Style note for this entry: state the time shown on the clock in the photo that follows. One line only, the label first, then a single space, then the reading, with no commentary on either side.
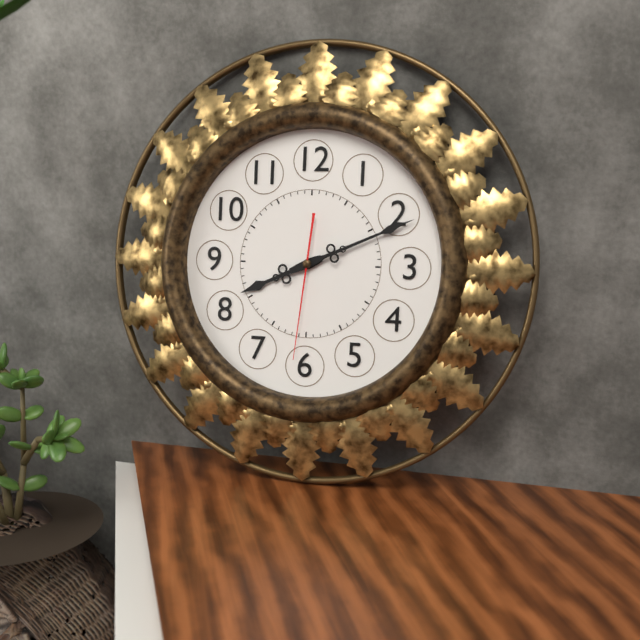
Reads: 8:11:31
